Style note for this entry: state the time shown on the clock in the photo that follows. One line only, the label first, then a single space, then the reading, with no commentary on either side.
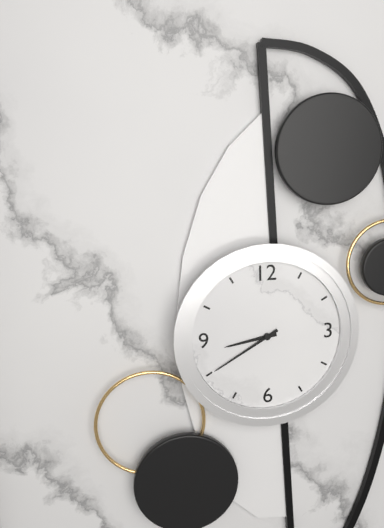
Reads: 8:40
